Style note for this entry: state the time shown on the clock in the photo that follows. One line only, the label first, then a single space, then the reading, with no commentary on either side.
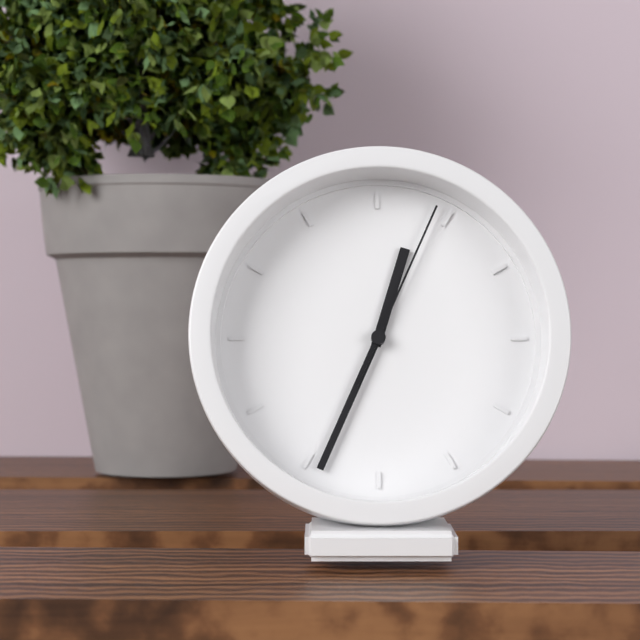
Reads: 12:34:04
